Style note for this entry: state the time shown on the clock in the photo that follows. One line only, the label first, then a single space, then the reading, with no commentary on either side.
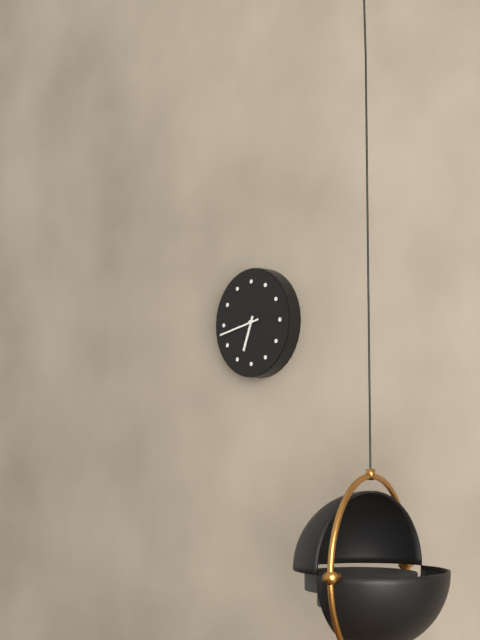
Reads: 6:43
